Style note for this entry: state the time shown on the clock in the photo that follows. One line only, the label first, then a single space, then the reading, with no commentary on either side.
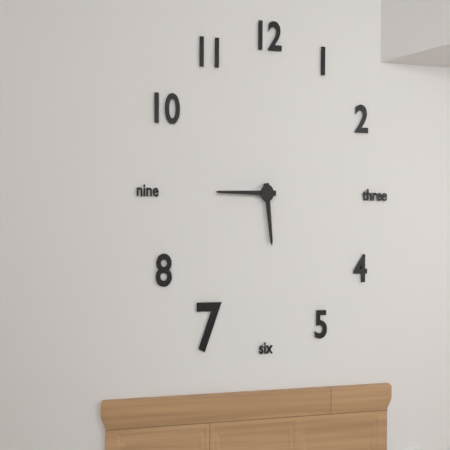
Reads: 5:45
